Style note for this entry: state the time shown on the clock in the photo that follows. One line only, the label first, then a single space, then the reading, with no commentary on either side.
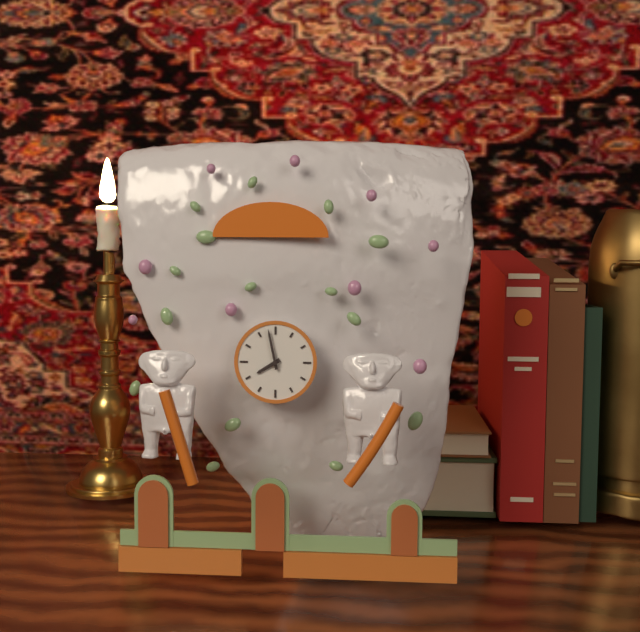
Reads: 7:58
